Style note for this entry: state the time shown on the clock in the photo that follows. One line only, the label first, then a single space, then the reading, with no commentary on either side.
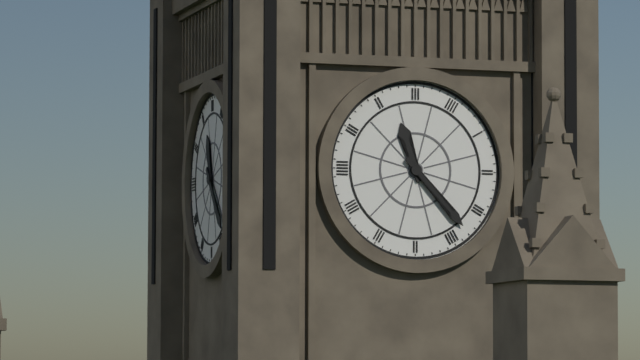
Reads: 11:23
